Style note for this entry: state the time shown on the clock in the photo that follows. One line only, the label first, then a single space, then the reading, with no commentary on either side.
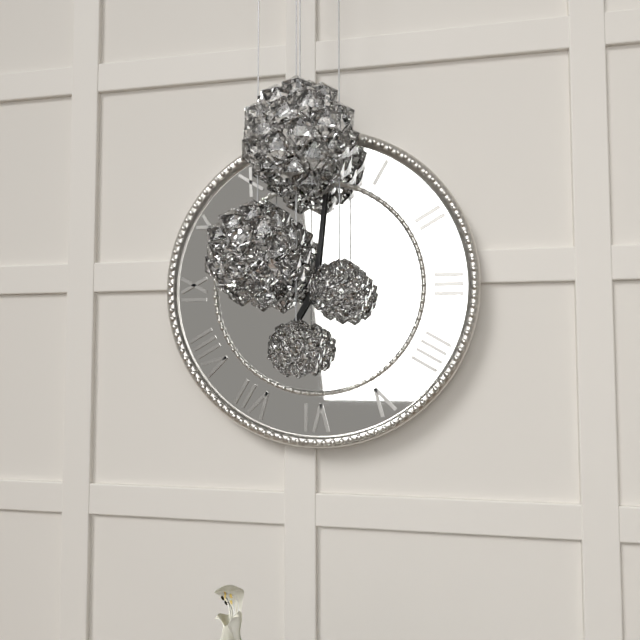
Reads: 7:01
